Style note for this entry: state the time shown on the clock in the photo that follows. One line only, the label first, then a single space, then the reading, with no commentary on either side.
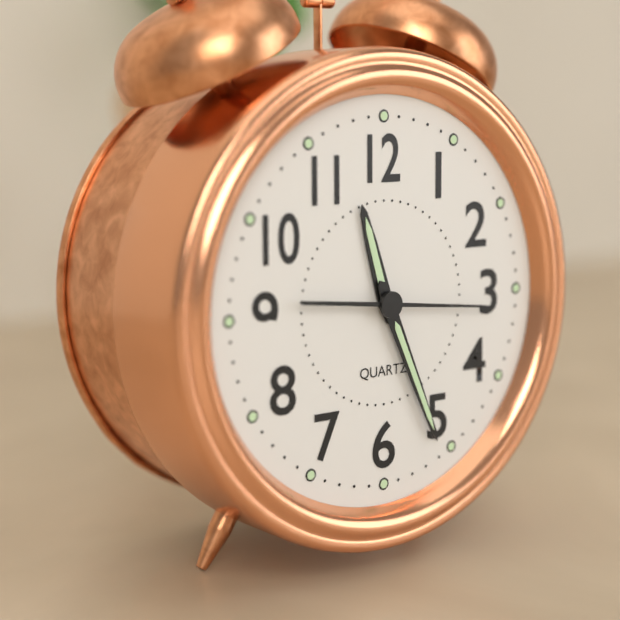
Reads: 11:26:16
